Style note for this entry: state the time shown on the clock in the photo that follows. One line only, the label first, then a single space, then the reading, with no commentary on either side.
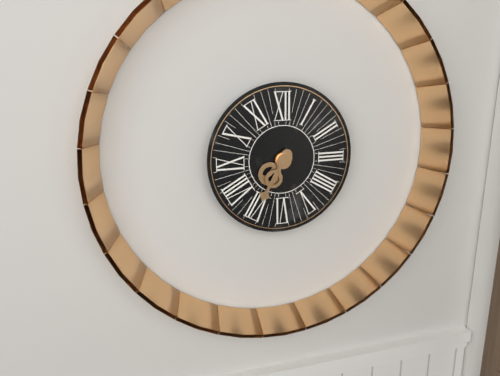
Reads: 7:35
